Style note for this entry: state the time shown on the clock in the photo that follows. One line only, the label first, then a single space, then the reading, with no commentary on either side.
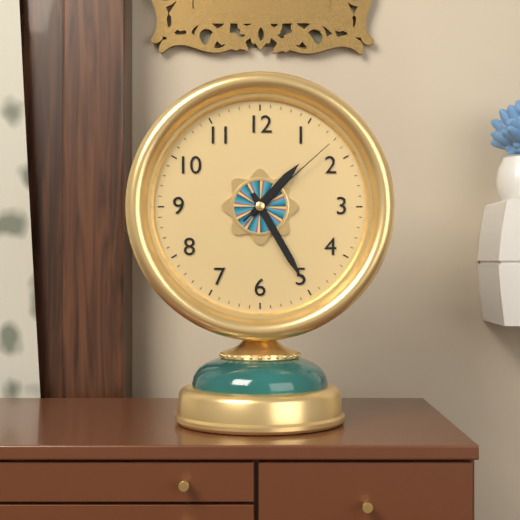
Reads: 1:25:08
